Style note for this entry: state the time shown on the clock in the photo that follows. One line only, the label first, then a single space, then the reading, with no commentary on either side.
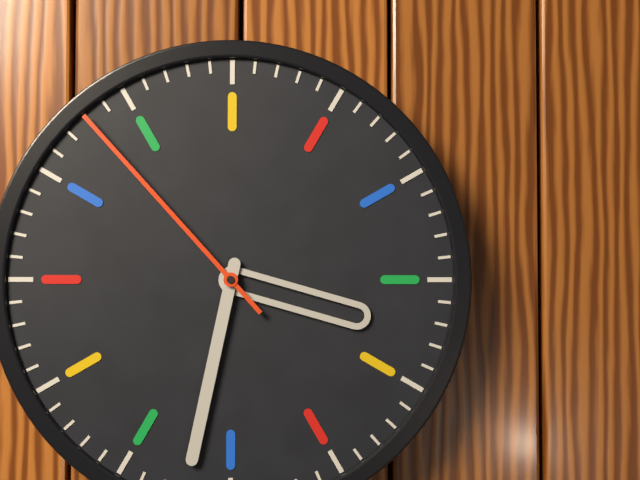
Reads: 3:32:53
